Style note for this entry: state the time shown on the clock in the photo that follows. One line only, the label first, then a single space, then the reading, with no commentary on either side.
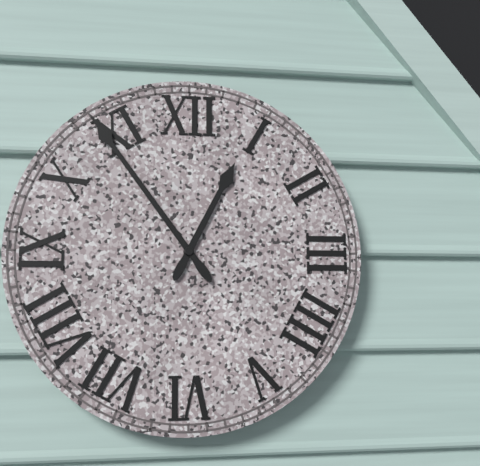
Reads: 12:54
